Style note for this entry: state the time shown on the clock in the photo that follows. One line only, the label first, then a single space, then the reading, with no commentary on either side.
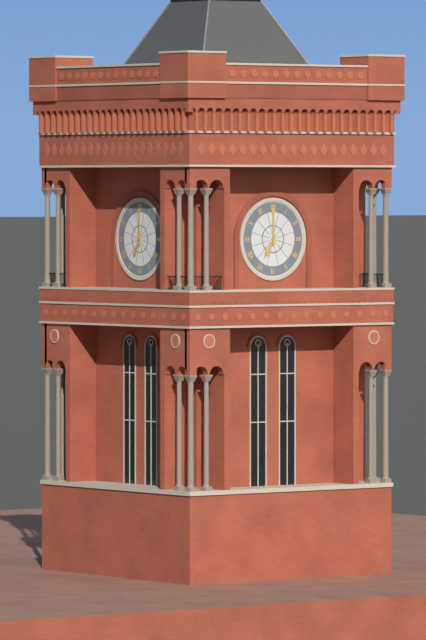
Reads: 7:00
